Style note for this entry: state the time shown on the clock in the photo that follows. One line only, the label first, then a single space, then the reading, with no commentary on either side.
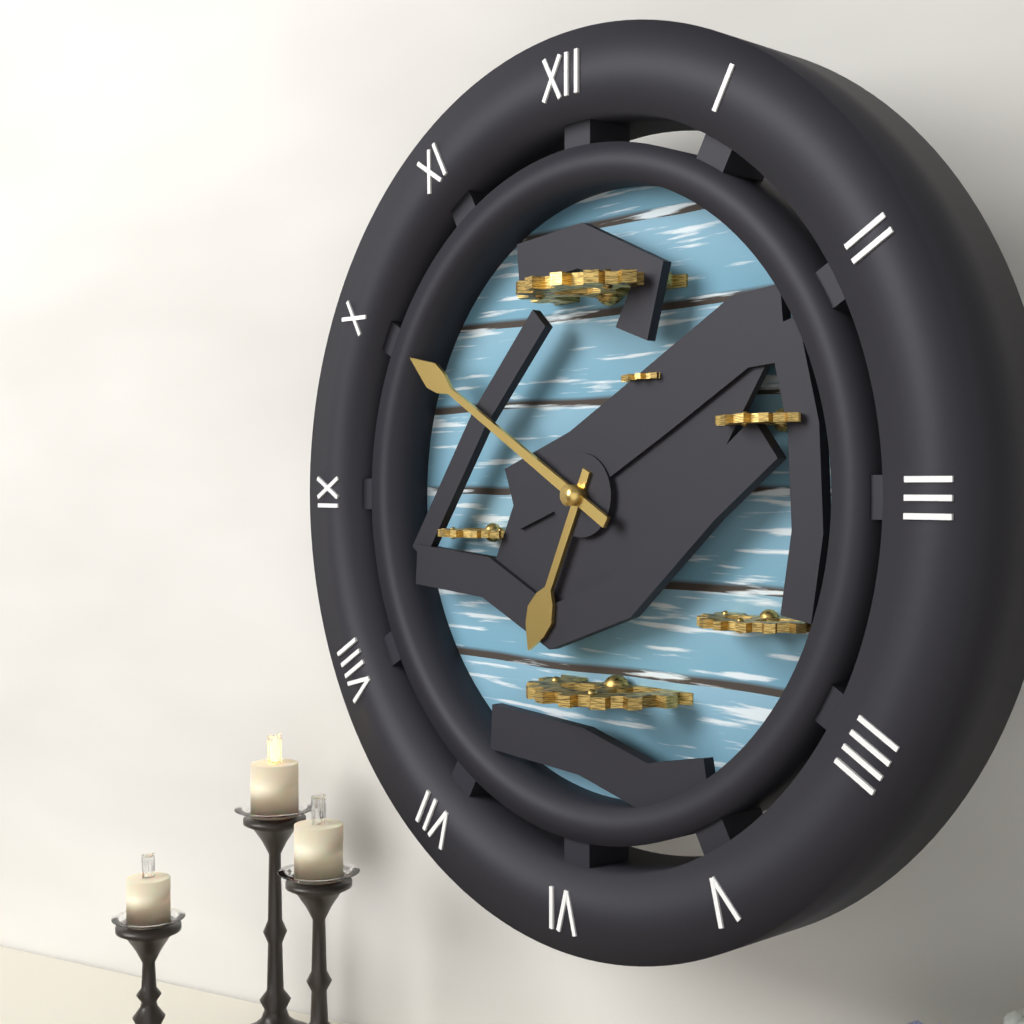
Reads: 6:50
